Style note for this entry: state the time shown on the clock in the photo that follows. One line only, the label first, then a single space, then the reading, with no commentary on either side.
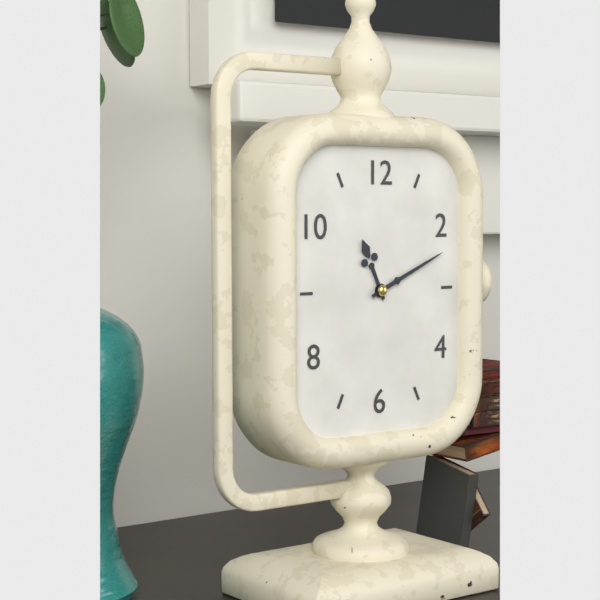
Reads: 11:11
